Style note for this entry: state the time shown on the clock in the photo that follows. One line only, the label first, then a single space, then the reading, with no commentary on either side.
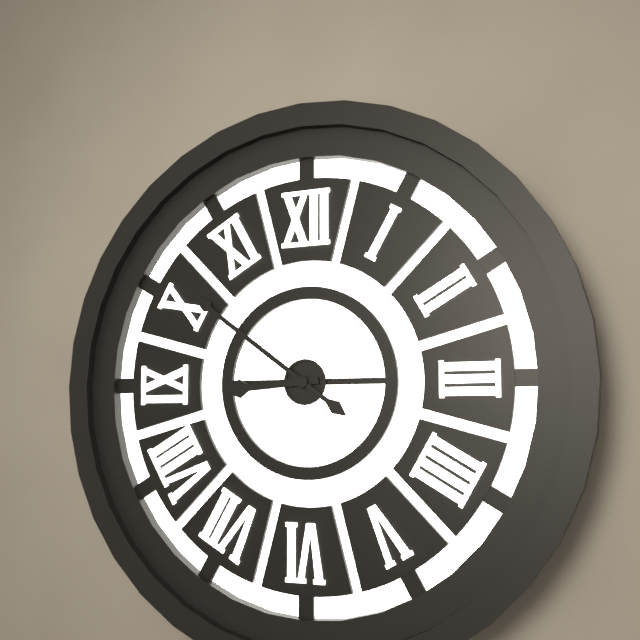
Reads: 8:51
